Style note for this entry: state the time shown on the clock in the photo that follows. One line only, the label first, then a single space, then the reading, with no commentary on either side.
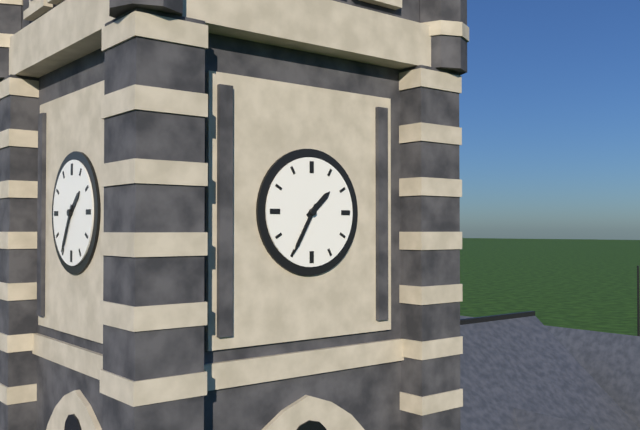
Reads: 1:35
